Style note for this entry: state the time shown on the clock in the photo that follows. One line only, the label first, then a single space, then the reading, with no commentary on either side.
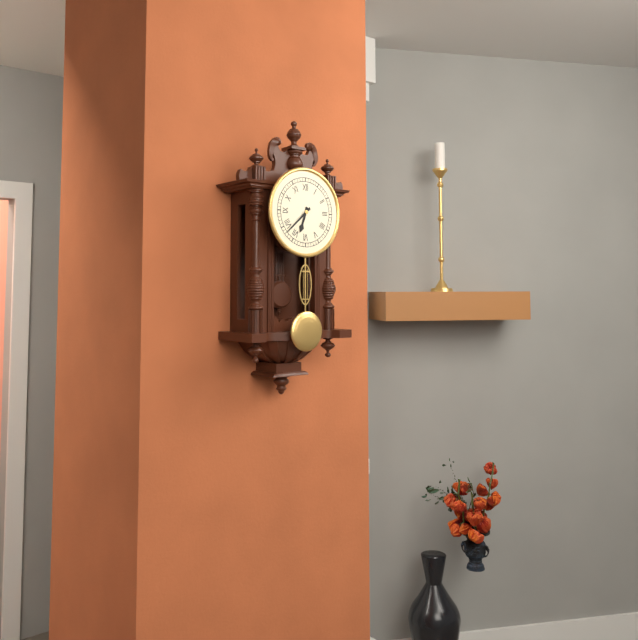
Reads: 6:38
